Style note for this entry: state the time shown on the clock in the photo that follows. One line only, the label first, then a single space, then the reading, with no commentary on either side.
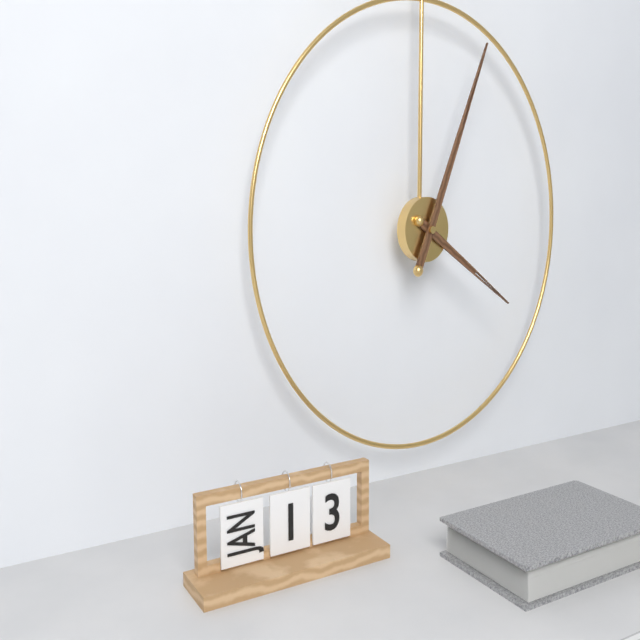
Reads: 4:04
